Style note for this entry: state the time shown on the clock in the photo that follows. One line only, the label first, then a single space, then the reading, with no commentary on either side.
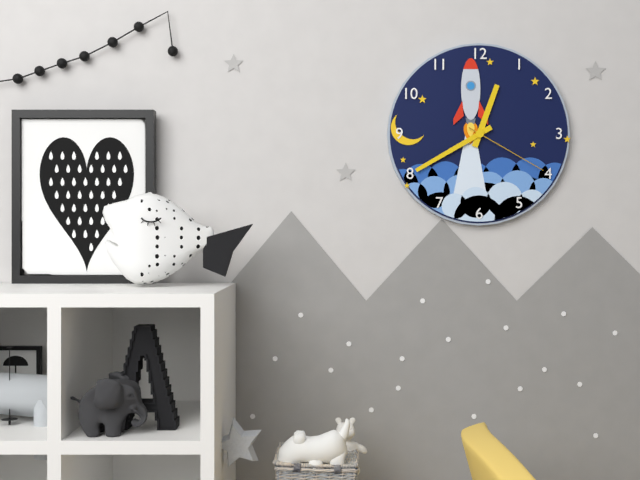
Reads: 12:40:20
